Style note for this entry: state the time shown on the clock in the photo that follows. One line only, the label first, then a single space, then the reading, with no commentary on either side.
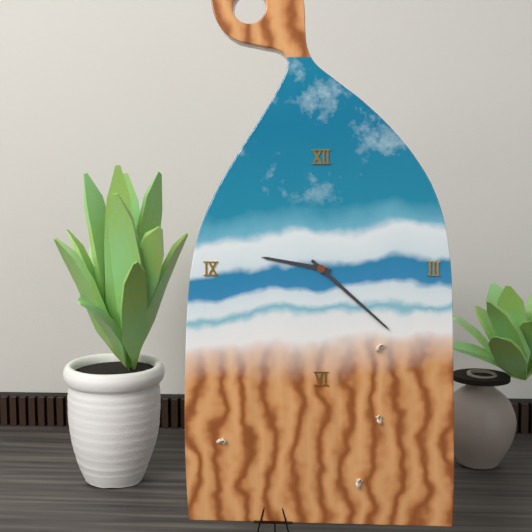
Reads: 9:22
